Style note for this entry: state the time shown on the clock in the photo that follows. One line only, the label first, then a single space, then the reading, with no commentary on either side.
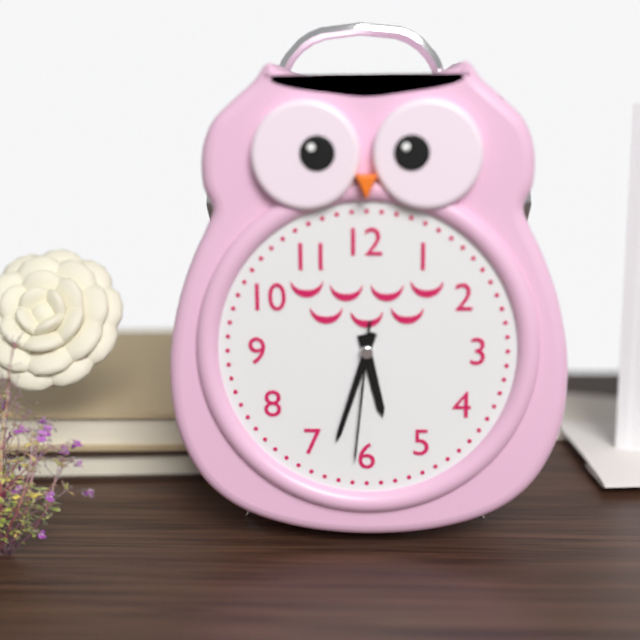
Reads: 5:33:31
